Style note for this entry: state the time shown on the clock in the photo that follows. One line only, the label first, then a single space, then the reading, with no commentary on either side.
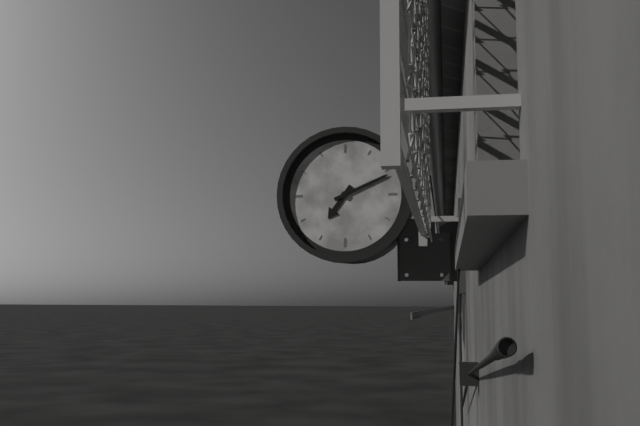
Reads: 7:11
